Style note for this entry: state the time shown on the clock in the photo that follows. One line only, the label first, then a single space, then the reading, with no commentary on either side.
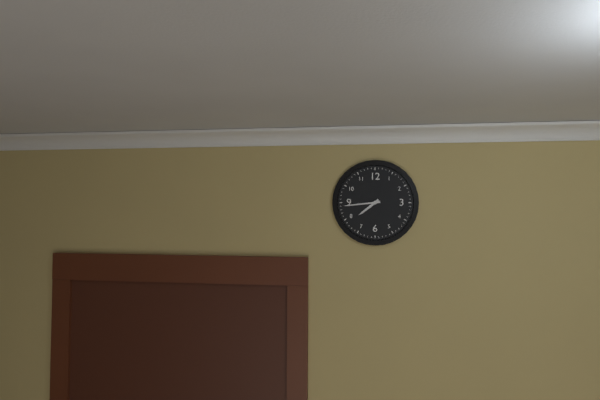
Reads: 7:44
